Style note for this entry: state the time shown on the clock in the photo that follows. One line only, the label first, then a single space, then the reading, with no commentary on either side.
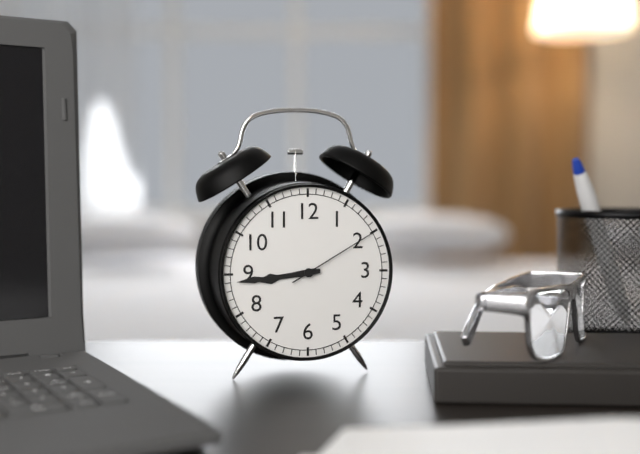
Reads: 8:44:10
